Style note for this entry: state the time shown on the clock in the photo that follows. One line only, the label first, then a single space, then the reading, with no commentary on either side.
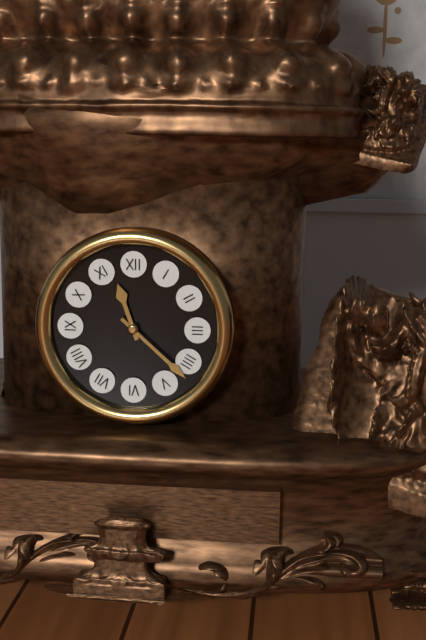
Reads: 11:22
